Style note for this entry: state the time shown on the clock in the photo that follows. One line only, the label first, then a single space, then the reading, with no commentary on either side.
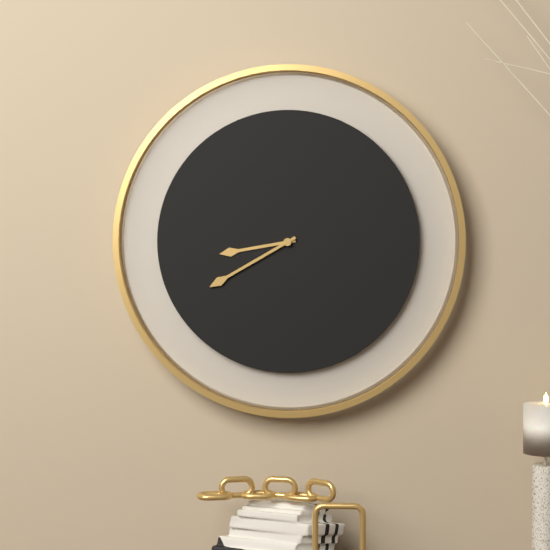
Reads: 8:40
